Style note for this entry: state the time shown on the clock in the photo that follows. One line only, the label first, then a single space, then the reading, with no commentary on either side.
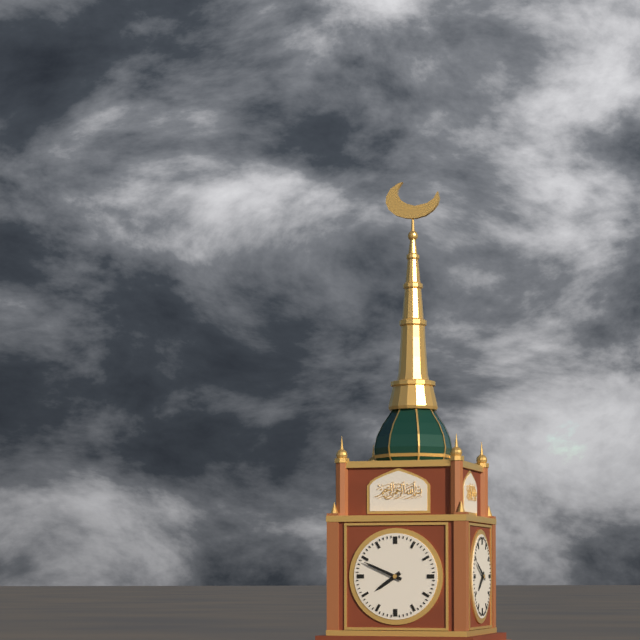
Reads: 7:49
